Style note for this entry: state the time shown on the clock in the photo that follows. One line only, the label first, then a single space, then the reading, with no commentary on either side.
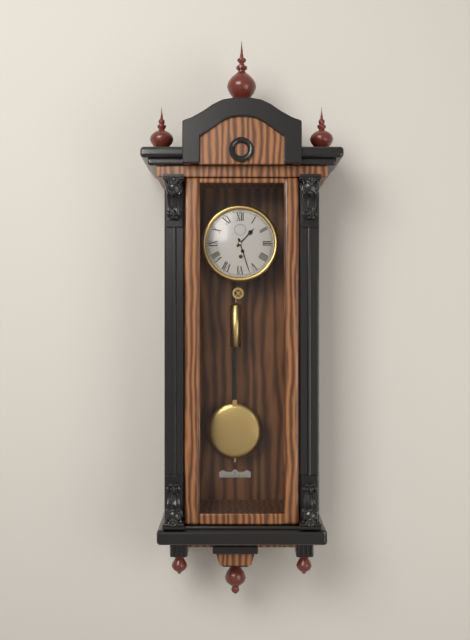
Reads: 1:27
